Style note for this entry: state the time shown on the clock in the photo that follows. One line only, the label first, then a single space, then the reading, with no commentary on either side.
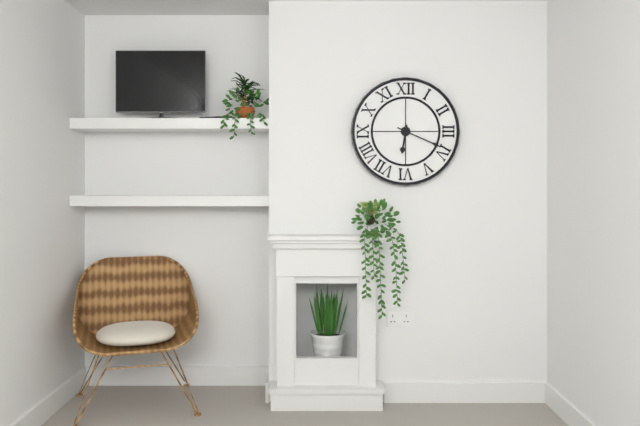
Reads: 6:19
